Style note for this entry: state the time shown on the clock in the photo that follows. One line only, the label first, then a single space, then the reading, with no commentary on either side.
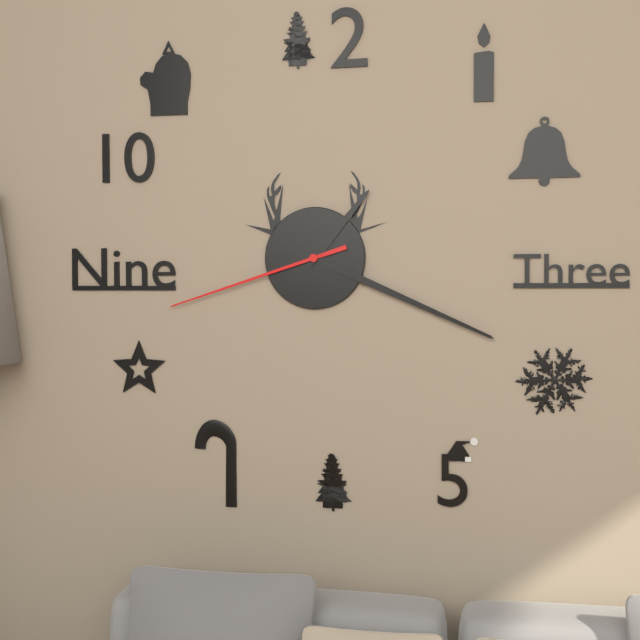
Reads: 1:19:42
